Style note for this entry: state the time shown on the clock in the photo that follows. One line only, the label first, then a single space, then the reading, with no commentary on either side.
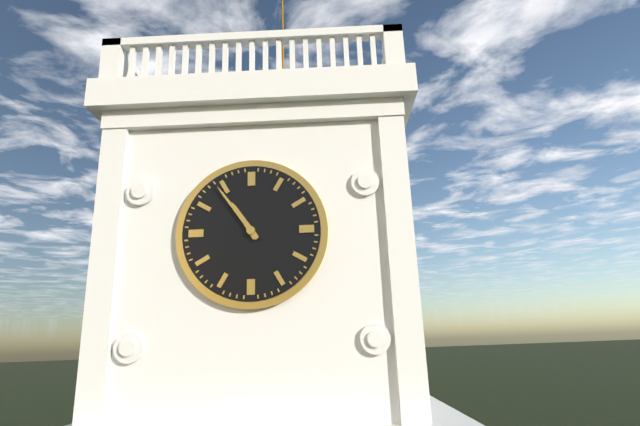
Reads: 10:54
